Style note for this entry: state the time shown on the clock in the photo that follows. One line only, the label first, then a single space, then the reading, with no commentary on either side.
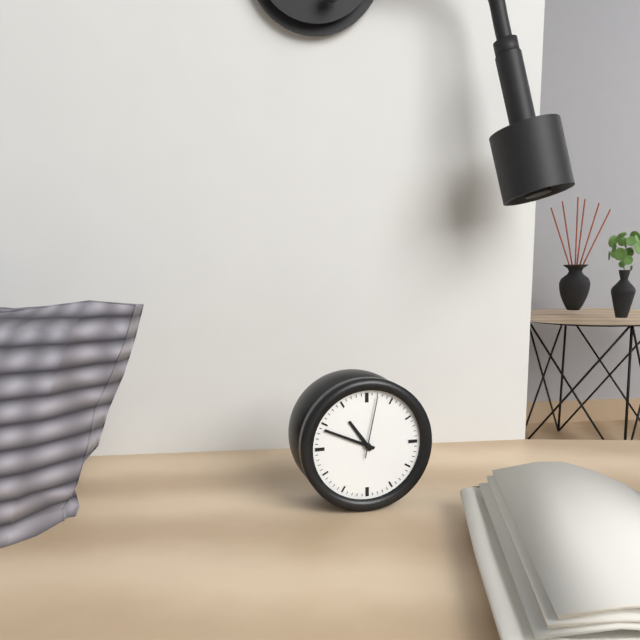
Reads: 10:49:02
